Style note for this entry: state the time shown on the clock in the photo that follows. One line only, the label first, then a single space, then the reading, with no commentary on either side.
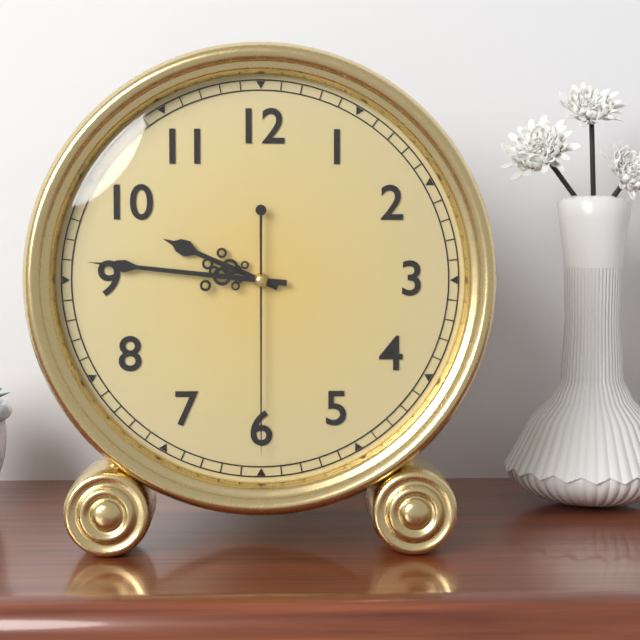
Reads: 9:46:30
